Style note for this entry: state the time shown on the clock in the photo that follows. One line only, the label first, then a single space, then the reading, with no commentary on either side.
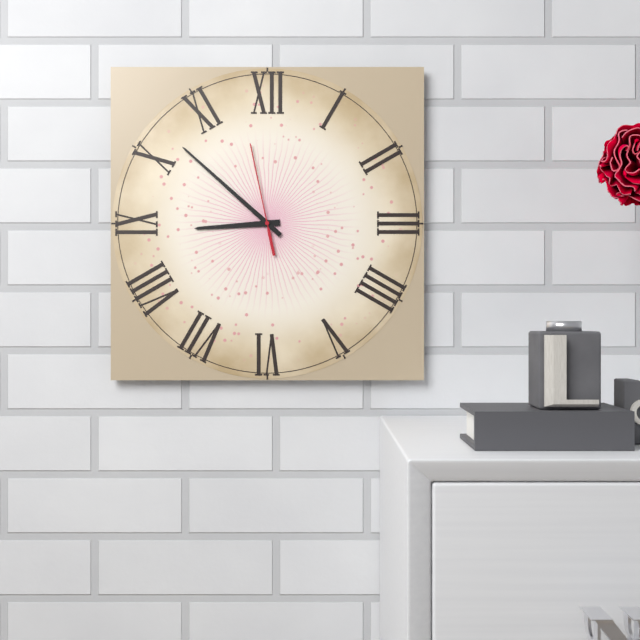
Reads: 8:52:58
